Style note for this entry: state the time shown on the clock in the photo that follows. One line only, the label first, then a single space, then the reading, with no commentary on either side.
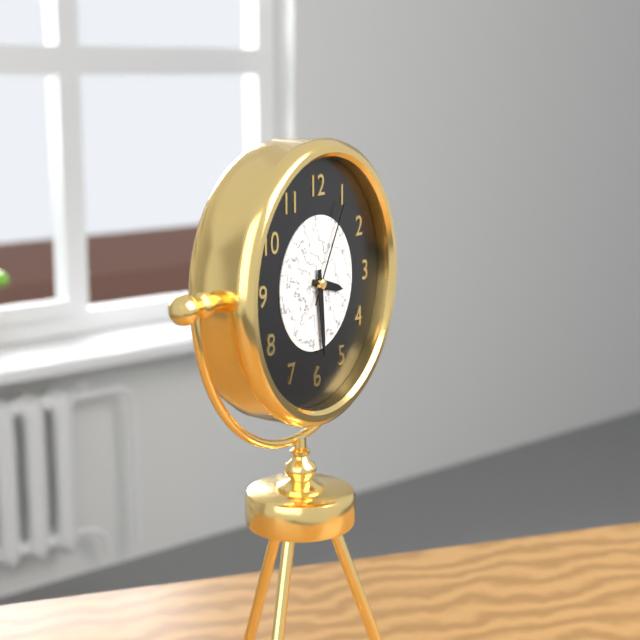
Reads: 3:29:05
